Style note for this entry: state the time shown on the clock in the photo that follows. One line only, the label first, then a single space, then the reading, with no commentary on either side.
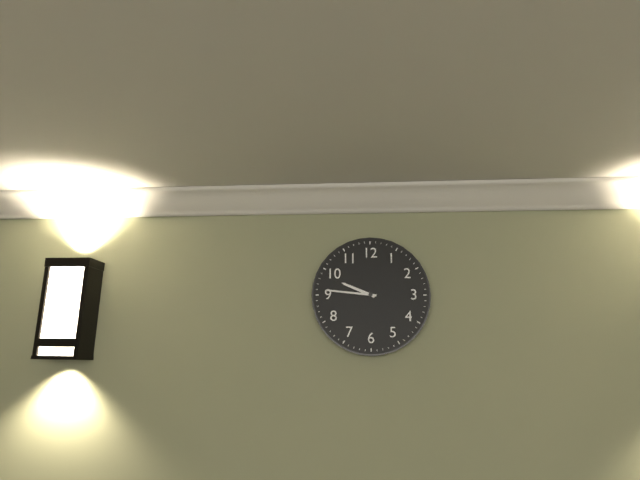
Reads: 9:46
